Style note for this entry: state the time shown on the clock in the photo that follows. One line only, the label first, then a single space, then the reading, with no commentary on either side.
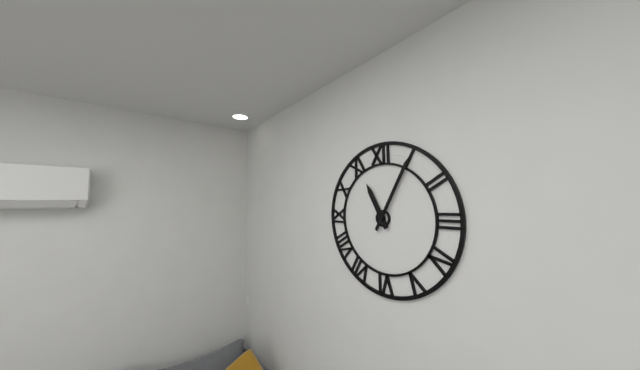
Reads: 11:05
